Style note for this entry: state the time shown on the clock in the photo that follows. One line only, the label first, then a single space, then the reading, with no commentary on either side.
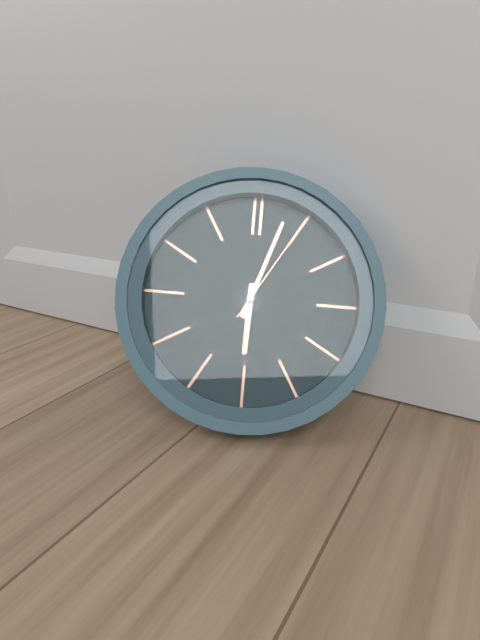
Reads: 6:03:05
